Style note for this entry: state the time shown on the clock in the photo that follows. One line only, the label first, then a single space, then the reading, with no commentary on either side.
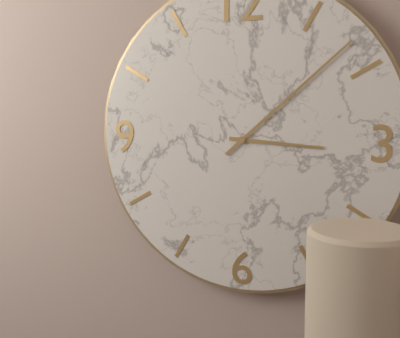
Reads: 3:08
